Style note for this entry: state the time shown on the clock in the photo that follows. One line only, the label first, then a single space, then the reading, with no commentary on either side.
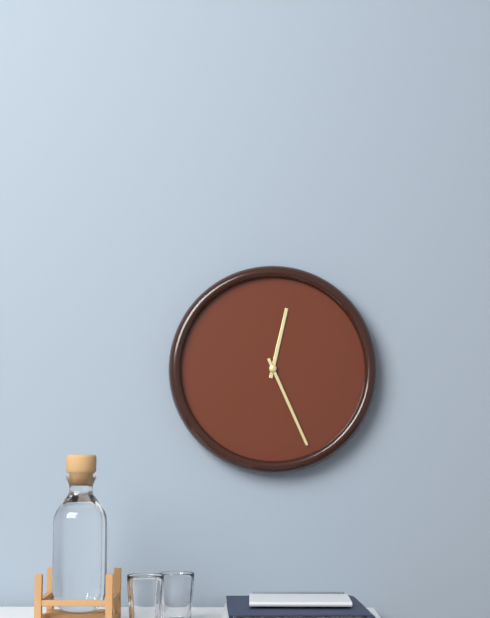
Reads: 12:26
